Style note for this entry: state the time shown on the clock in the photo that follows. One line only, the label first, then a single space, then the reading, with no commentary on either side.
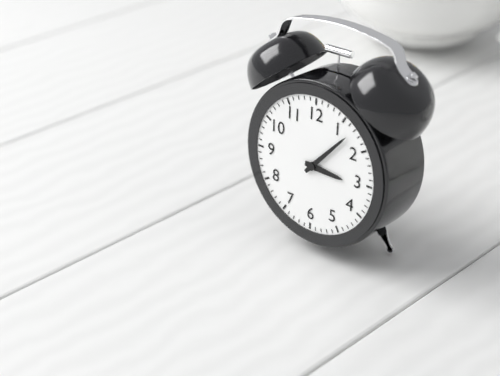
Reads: 3:07
